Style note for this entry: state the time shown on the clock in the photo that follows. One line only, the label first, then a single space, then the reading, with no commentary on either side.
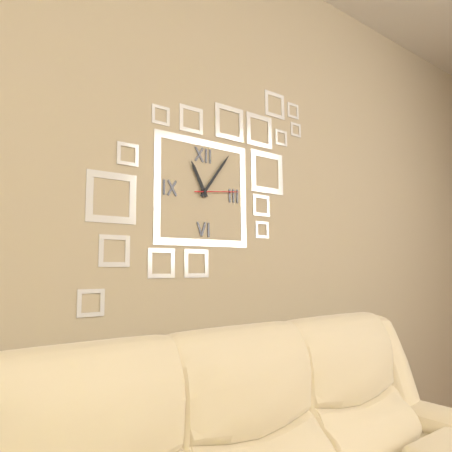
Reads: 11:06
